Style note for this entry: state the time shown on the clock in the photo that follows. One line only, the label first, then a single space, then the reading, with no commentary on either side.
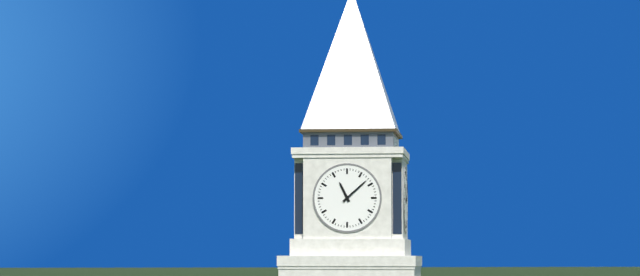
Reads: 11:08
